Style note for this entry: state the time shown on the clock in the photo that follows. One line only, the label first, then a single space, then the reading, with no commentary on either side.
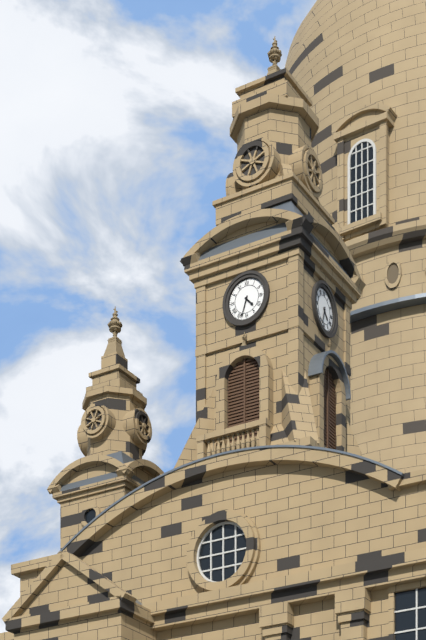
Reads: 4:33
